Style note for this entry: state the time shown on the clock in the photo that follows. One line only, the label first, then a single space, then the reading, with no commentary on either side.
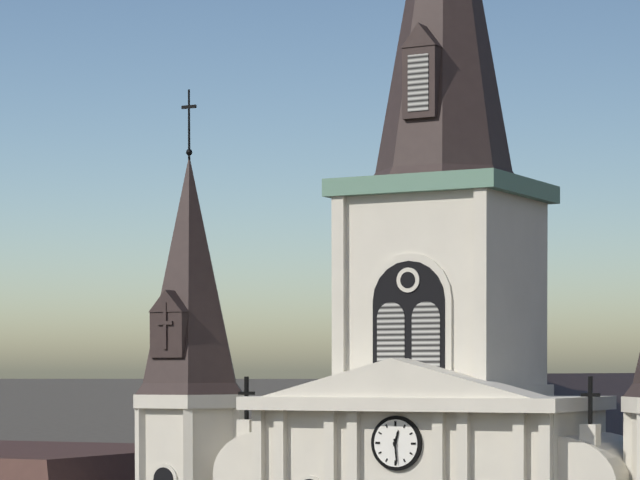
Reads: 12:29
